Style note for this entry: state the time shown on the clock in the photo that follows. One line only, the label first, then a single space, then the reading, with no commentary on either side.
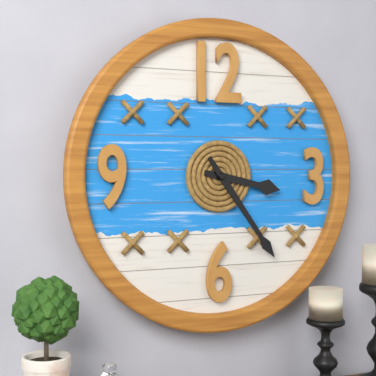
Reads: 3:24
